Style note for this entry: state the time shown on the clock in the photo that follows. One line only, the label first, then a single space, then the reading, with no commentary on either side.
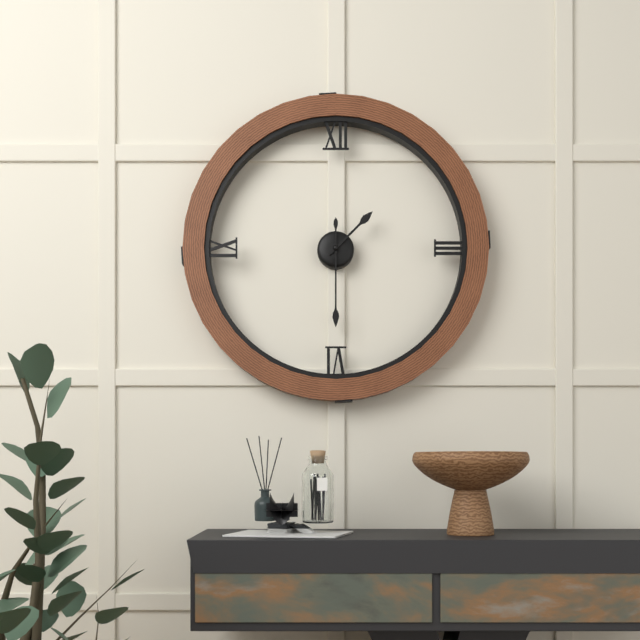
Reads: 1:30
